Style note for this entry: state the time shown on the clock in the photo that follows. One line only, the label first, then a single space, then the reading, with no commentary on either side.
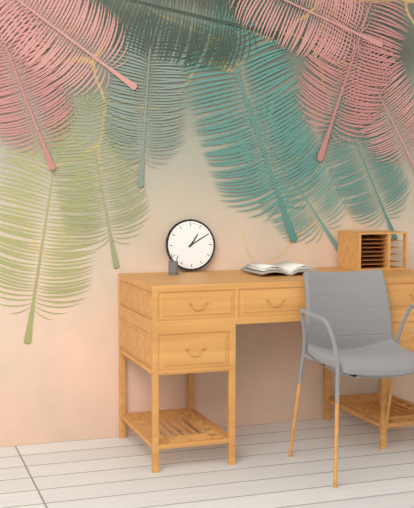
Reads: 1:10
